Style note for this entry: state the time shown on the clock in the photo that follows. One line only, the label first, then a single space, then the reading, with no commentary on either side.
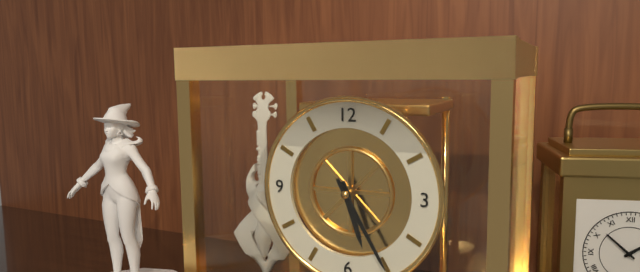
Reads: 5:25
